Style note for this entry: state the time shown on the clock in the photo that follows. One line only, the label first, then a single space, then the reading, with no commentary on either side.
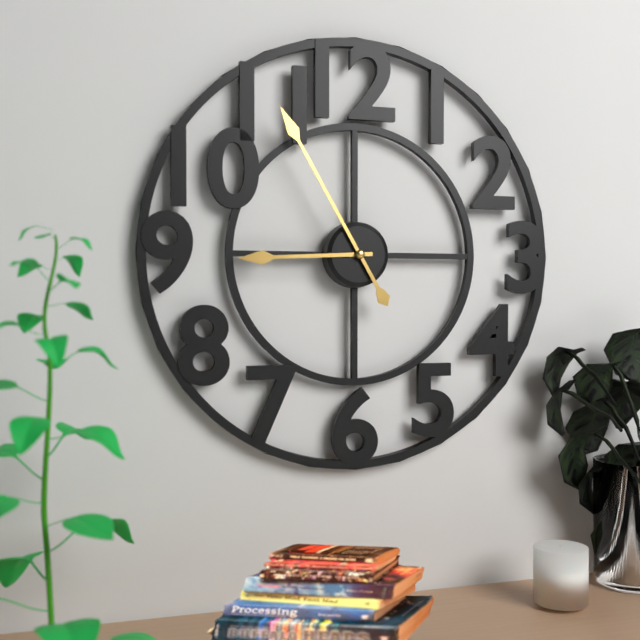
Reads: 8:55
